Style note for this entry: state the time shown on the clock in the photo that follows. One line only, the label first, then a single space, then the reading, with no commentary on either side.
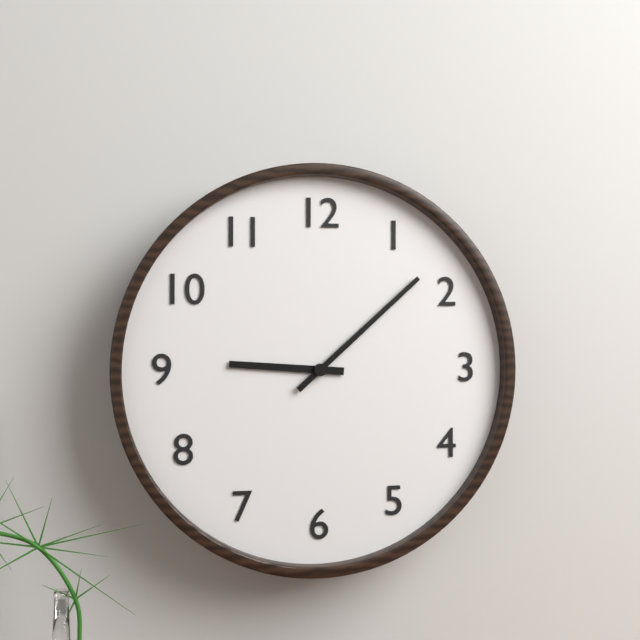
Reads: 9:08
